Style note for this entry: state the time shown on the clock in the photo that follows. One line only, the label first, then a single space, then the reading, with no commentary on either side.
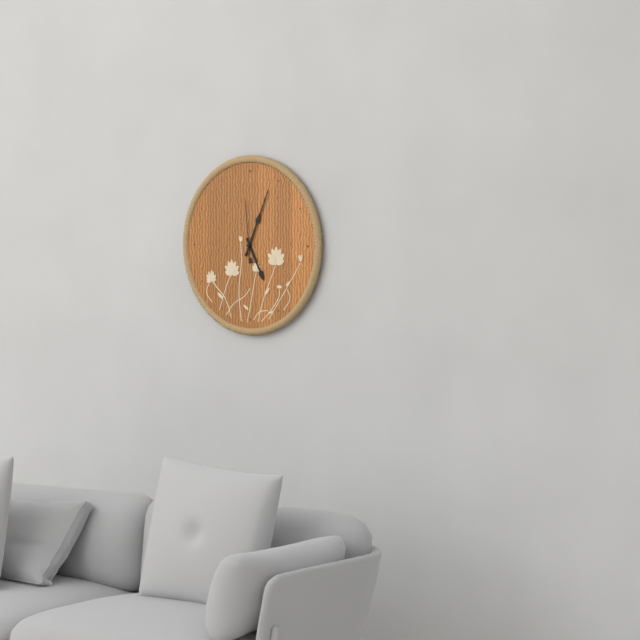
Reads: 5:04:59
